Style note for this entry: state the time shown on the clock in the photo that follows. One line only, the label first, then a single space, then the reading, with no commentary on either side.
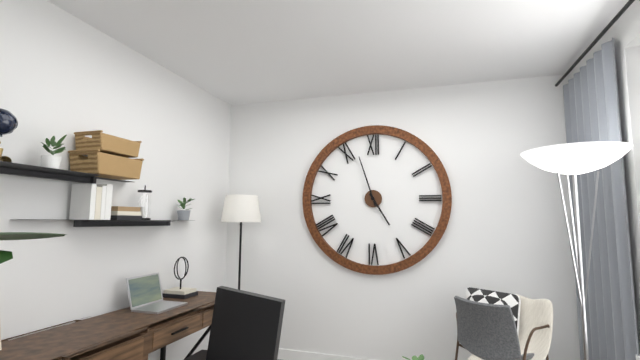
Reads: 4:57
